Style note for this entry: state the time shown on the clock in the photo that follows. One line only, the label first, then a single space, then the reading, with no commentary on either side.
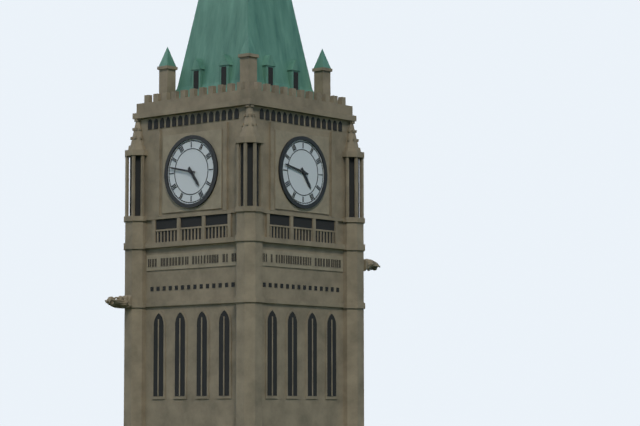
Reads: 4:47
